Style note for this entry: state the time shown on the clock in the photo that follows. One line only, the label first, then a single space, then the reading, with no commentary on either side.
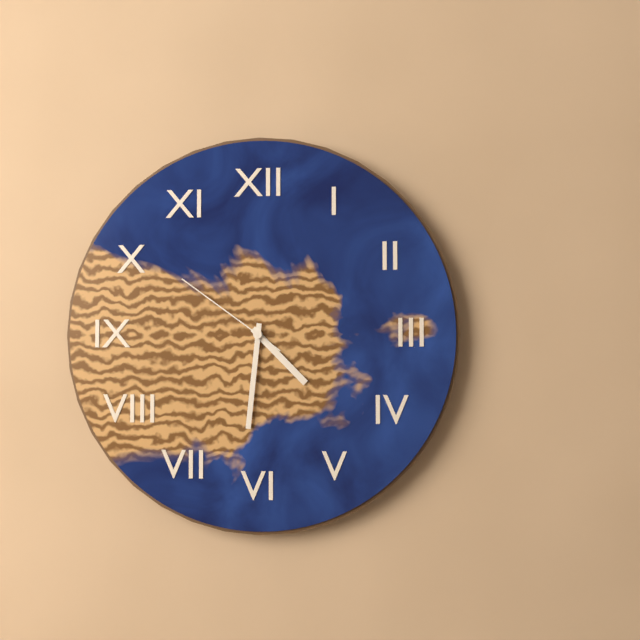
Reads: 4:31:51
